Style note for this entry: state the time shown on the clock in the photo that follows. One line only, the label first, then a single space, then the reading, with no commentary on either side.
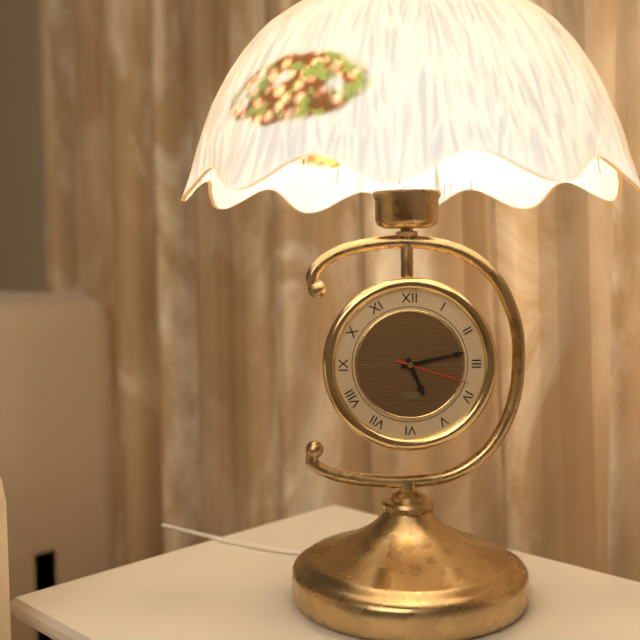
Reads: 5:13:18
